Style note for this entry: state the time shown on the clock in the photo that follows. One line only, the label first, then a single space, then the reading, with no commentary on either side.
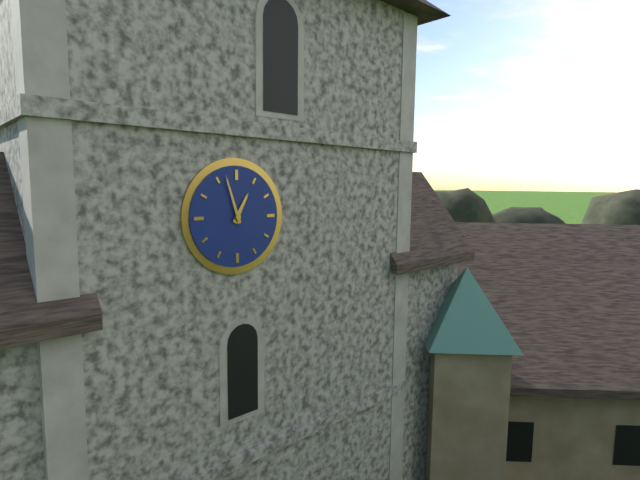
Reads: 12:57
